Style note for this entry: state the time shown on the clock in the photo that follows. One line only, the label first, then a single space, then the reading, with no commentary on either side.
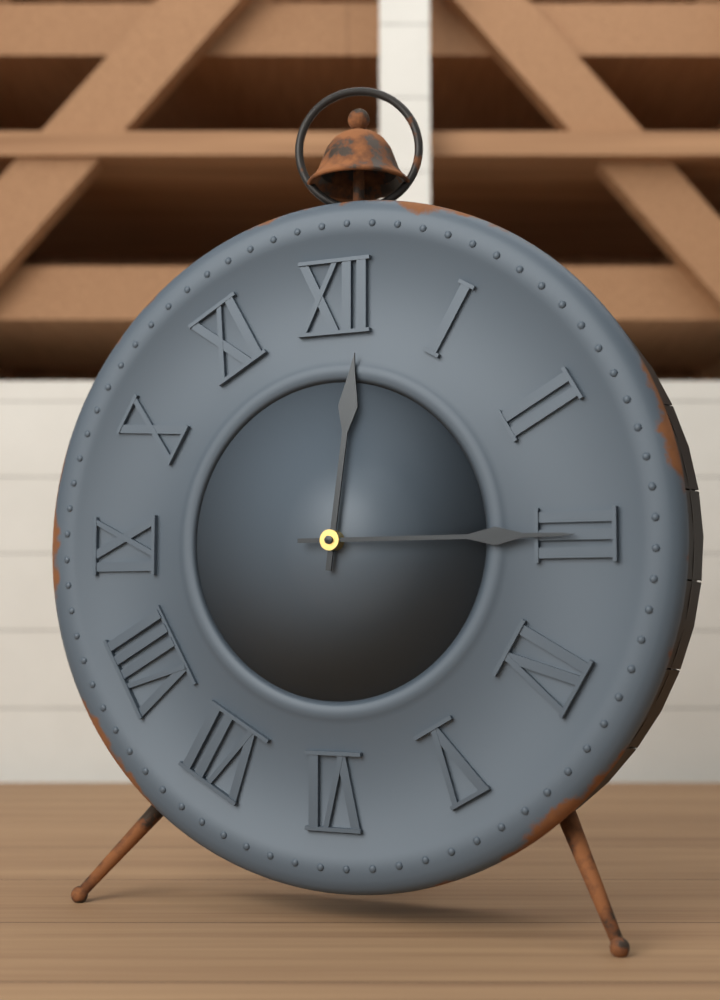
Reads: 12:15
